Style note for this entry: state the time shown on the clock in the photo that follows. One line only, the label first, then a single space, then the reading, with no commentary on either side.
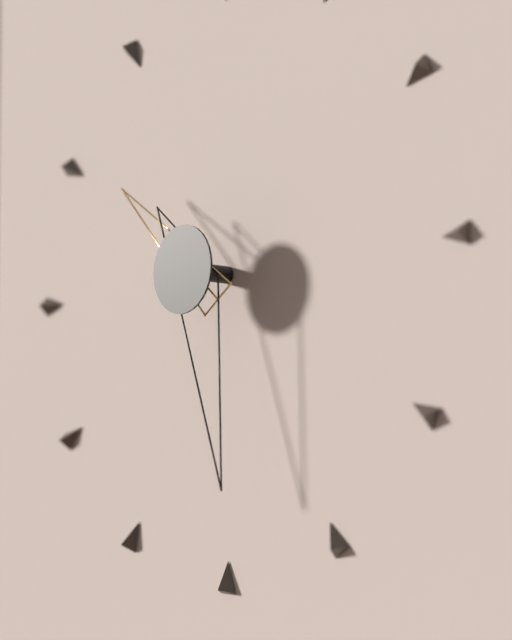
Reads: 10:28
